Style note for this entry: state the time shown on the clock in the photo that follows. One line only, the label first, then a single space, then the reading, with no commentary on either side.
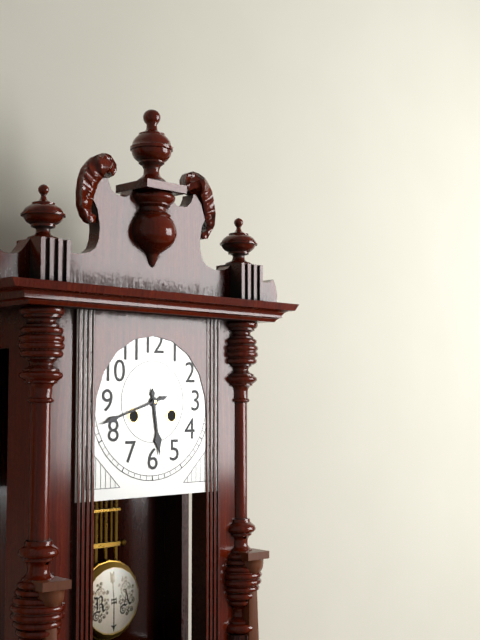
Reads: 5:42
